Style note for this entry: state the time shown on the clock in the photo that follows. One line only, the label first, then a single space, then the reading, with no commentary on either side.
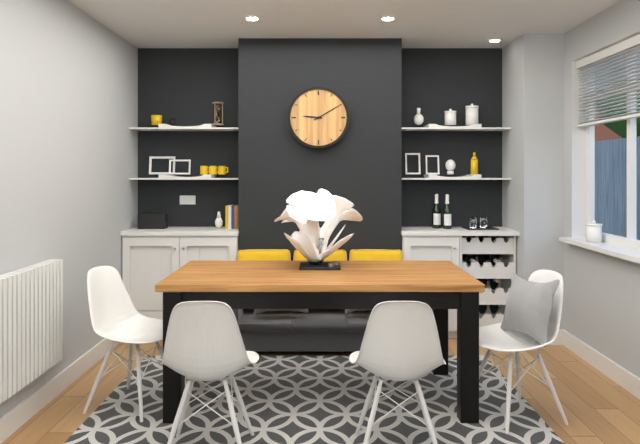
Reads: 9:10
